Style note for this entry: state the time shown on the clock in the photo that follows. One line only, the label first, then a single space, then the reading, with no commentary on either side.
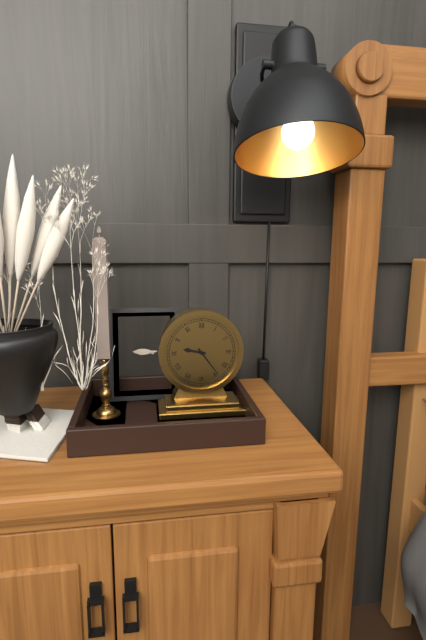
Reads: 9:24
